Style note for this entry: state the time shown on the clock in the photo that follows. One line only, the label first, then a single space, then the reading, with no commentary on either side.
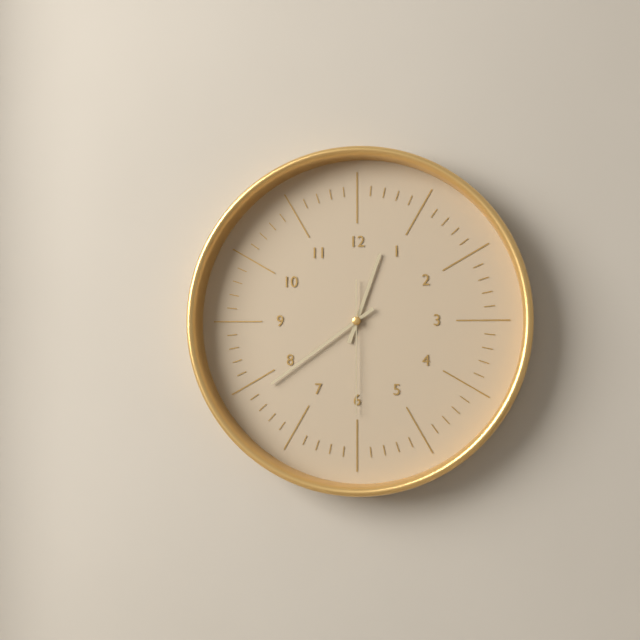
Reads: 12:39:30
